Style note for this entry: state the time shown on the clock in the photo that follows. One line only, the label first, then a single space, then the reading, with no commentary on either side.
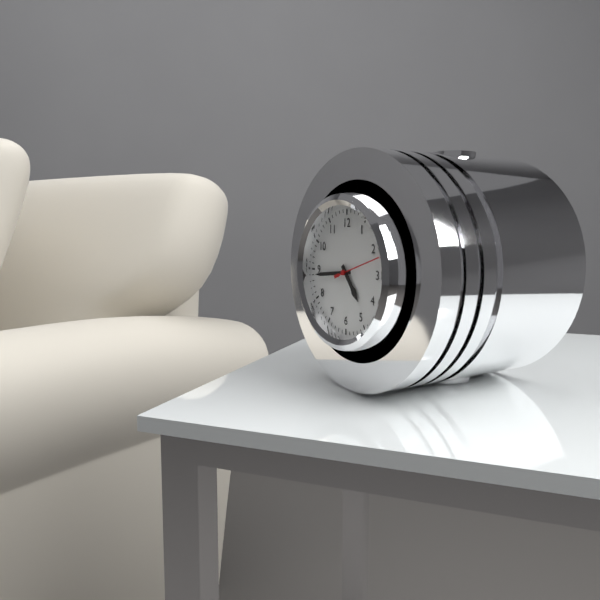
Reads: 4:44
